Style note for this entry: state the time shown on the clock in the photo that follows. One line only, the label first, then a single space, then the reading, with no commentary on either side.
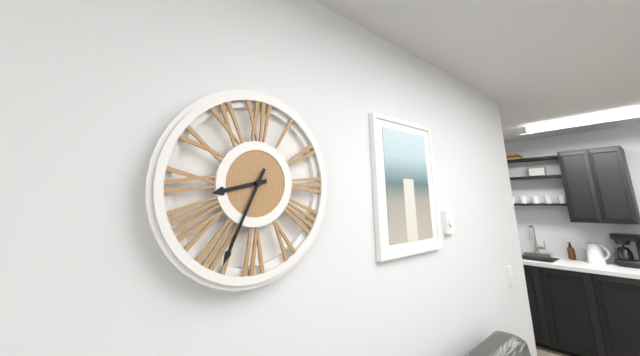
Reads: 8:34
